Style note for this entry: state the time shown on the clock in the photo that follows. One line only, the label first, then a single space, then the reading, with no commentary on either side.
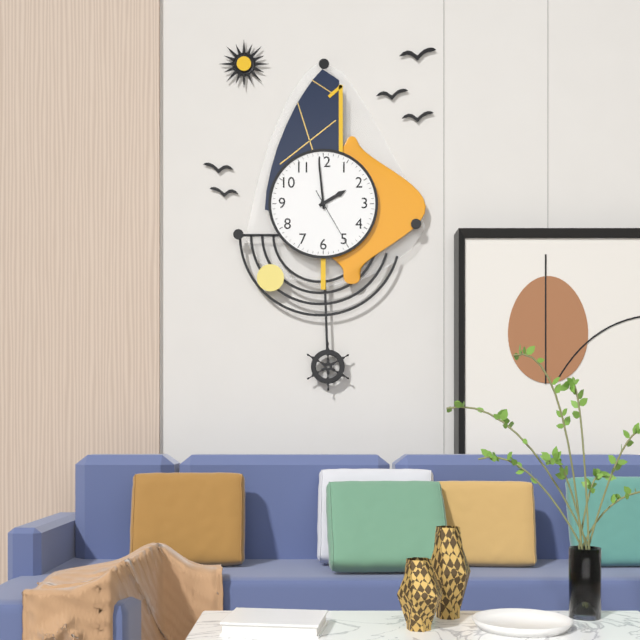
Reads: 1:59:25
